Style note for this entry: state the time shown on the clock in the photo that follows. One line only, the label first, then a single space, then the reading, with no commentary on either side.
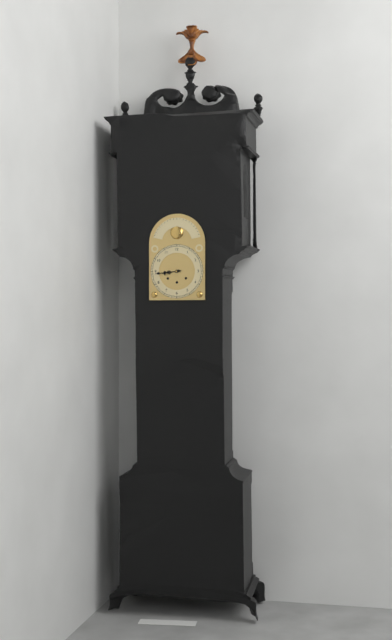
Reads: 8:44
